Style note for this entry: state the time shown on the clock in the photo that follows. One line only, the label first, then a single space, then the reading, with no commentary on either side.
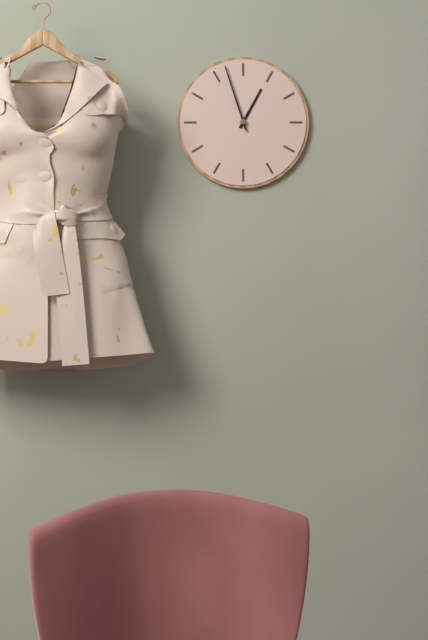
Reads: 12:57
